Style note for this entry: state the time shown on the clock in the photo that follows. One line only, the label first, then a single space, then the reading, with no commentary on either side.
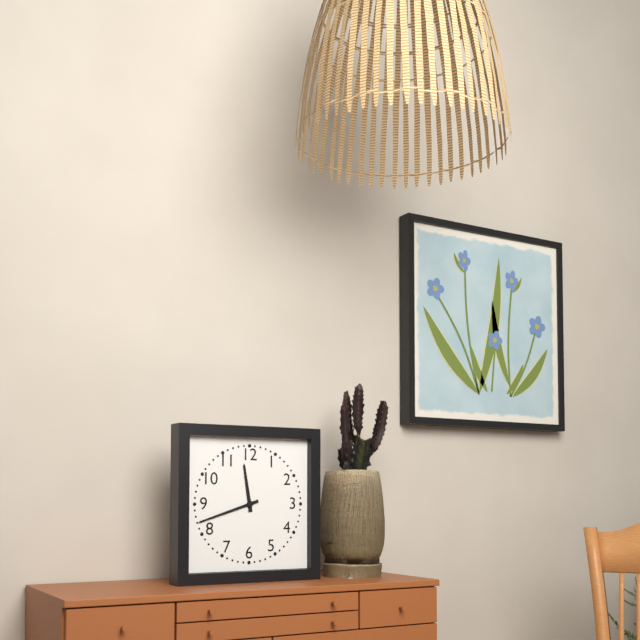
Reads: 11:42
